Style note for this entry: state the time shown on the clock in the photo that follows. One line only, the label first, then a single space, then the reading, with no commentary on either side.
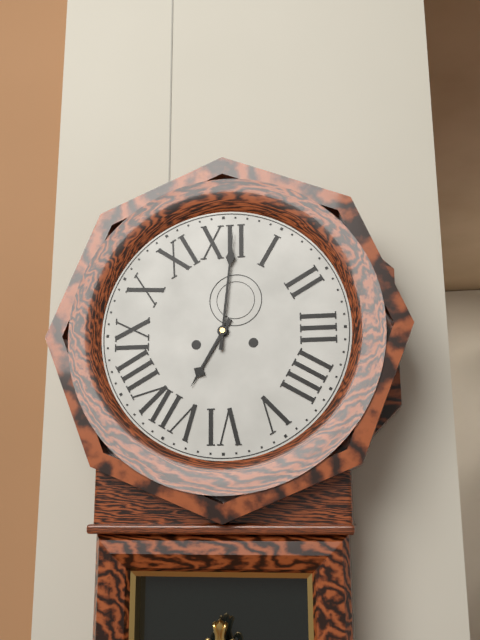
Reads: 7:01
